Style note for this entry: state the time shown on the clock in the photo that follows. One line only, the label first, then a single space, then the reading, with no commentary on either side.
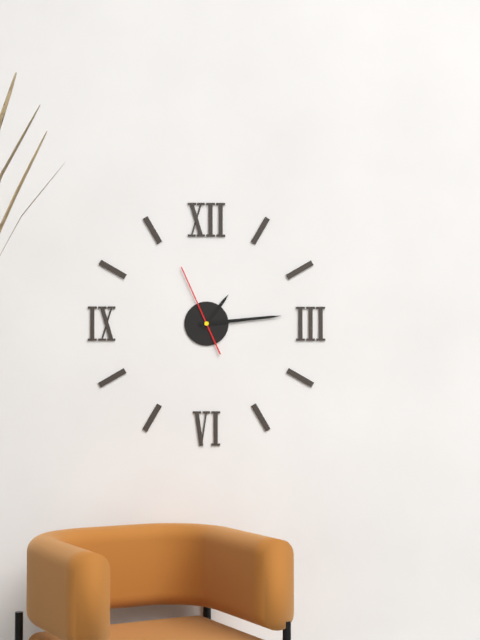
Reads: 1:14:56
